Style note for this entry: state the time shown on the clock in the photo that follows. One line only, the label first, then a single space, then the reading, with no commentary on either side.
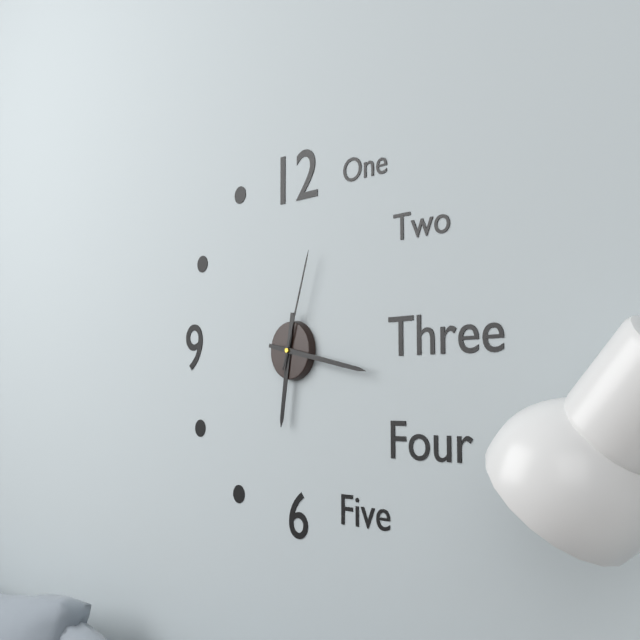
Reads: 6:17:03
